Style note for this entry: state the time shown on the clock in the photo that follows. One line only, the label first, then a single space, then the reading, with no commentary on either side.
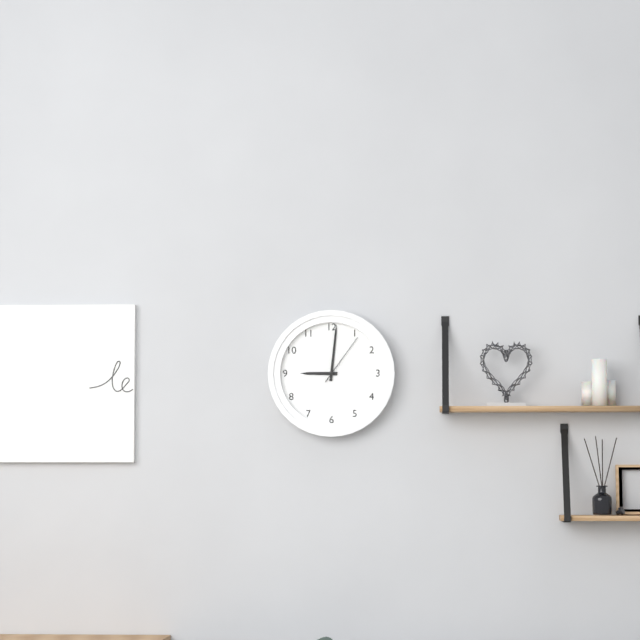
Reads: 9:01:06
